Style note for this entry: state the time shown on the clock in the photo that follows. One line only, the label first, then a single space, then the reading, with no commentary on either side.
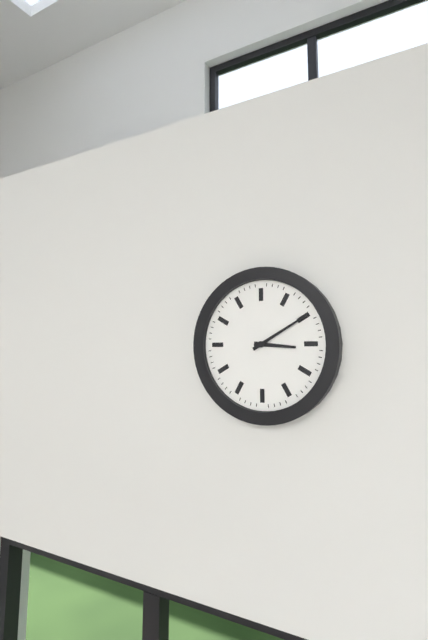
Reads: 3:10
